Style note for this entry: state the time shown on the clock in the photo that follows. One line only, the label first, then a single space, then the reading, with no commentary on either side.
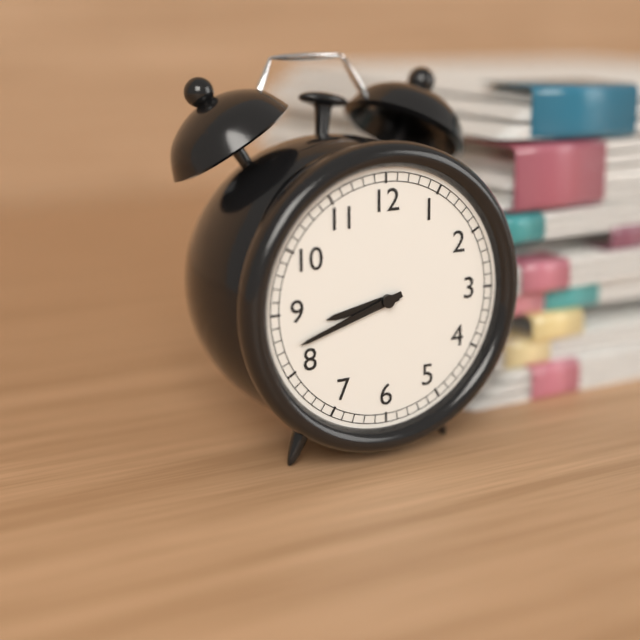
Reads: 8:42
